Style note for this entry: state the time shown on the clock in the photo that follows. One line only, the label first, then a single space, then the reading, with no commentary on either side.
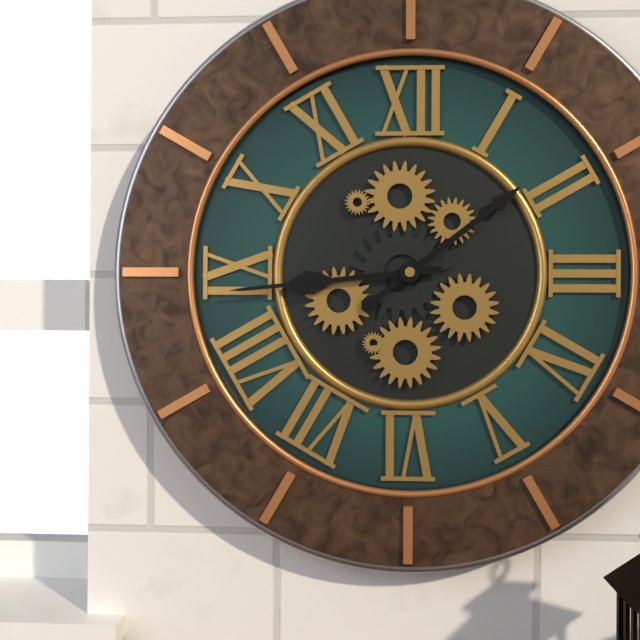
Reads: 1:44
